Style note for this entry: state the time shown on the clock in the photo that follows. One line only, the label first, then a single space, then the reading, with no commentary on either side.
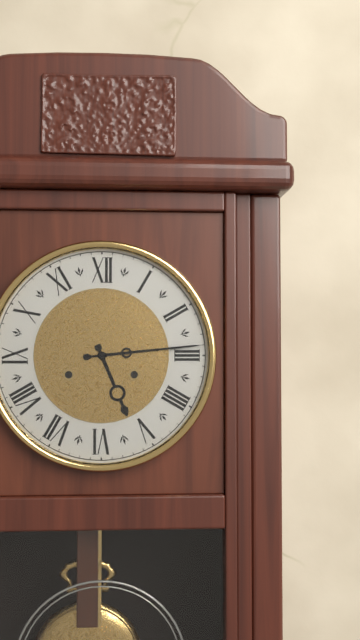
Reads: 5:14
